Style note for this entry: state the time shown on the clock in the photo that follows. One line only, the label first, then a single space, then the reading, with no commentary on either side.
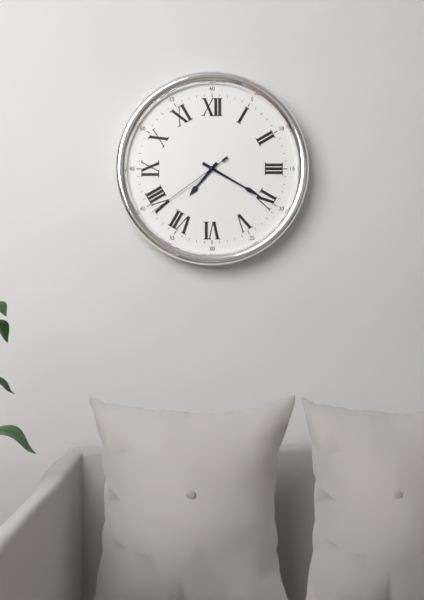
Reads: 7:20:39
